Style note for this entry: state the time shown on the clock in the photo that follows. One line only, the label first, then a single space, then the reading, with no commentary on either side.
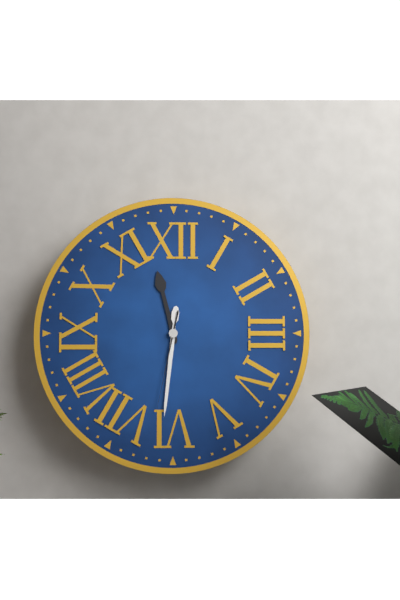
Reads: 11:31:32
